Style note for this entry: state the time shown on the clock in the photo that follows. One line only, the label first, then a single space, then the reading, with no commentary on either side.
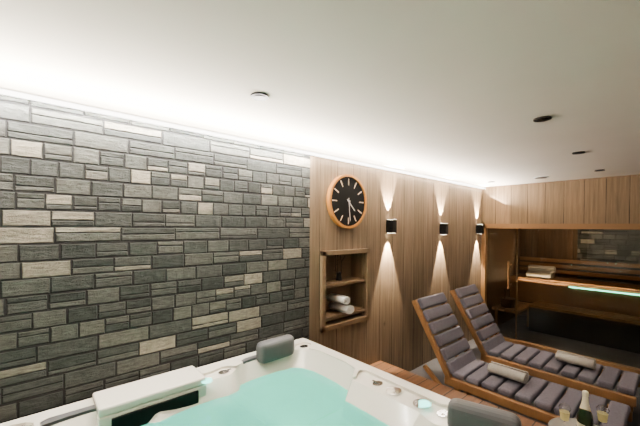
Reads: 4:29
